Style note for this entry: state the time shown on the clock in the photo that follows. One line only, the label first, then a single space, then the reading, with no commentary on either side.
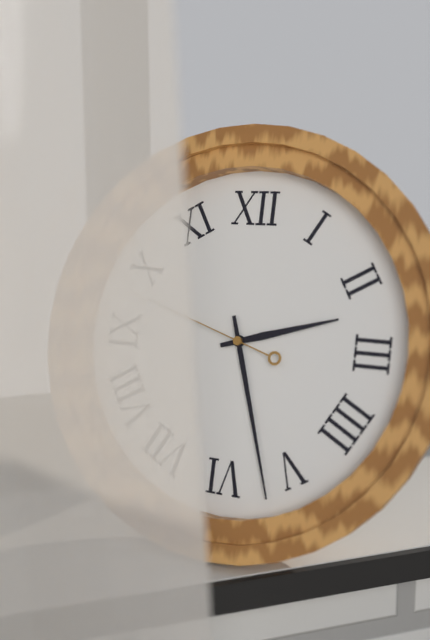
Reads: 2:27
